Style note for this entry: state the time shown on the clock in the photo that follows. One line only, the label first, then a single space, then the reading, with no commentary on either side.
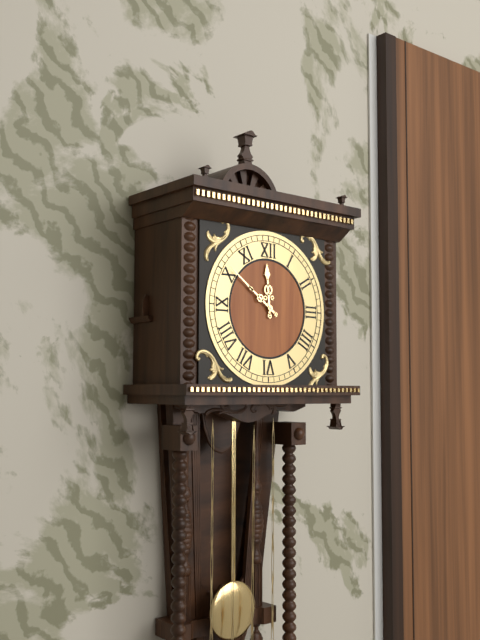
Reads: 11:51
